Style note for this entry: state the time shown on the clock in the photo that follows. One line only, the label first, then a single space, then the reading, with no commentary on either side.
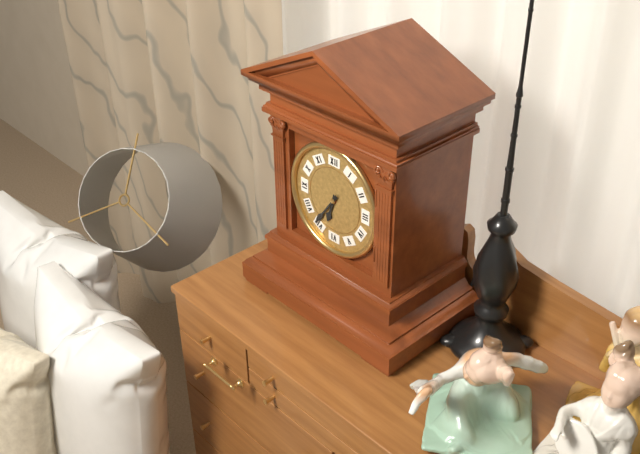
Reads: 6:36
